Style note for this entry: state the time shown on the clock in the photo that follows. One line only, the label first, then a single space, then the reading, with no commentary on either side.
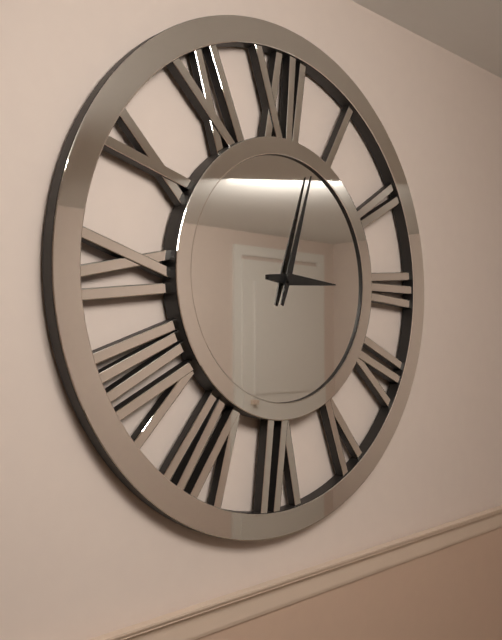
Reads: 3:03
